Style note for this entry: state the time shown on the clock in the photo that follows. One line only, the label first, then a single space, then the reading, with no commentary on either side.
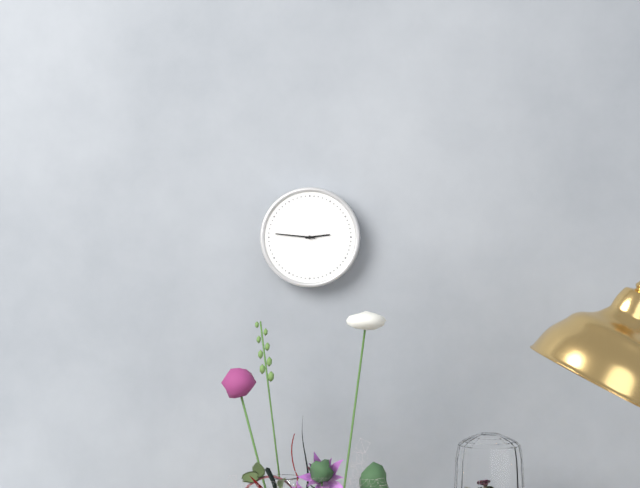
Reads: 2:46
